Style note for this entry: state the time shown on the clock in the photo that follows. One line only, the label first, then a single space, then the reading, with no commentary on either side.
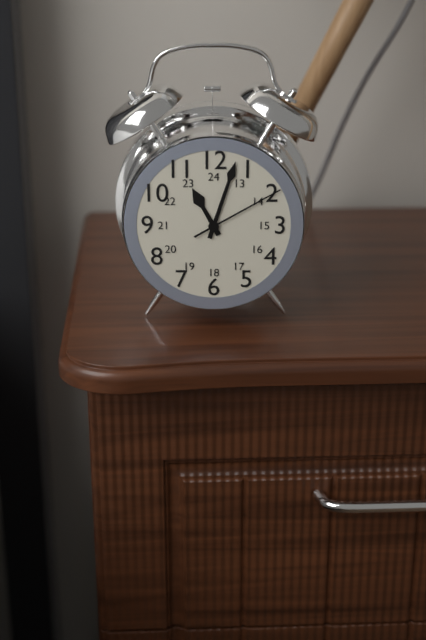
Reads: 11:03:10
